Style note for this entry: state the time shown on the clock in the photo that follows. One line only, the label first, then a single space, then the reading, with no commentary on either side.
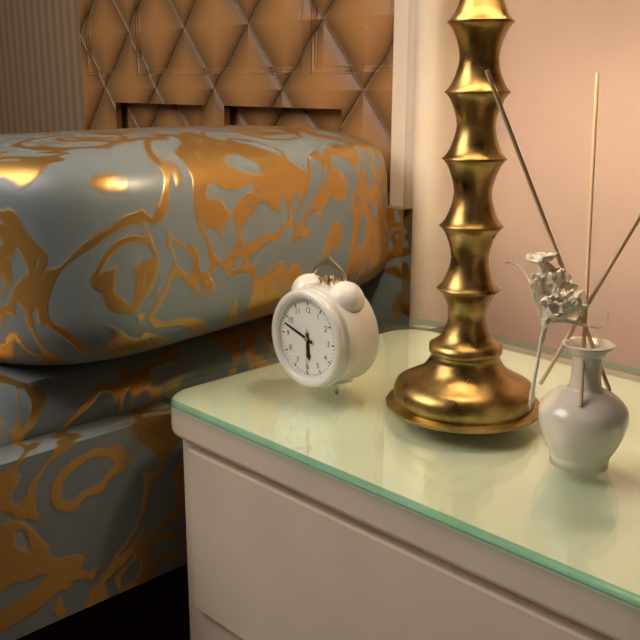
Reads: 5:48
